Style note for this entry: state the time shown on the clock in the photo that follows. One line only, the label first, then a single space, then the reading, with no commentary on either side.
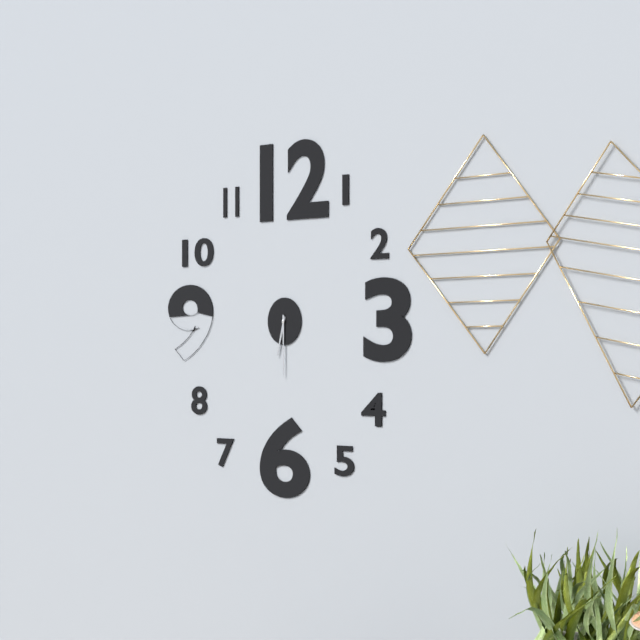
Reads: 6:30
